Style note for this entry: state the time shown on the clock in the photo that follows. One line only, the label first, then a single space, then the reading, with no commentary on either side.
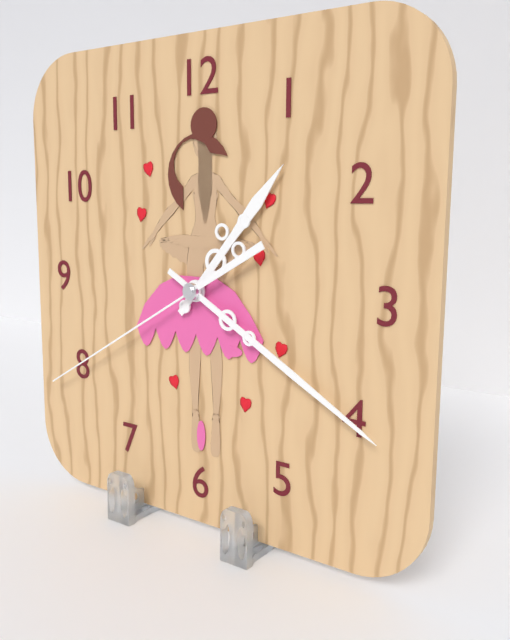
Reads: 1:20:40
